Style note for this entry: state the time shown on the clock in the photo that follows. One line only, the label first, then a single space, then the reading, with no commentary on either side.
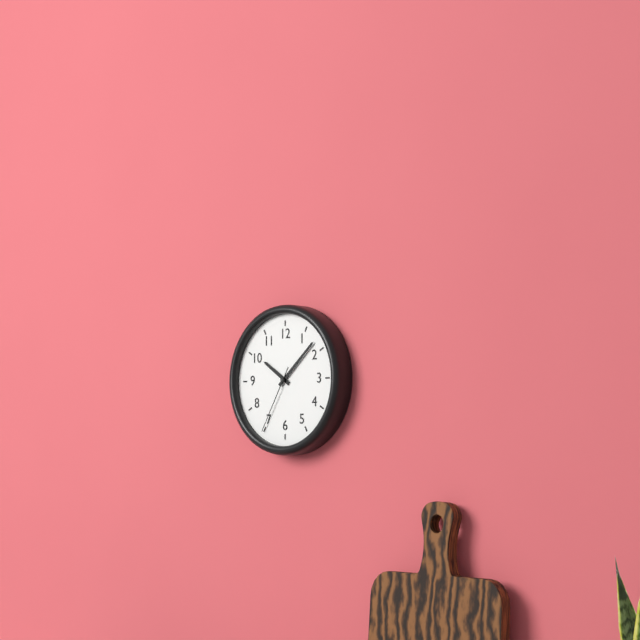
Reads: 10:08:35
